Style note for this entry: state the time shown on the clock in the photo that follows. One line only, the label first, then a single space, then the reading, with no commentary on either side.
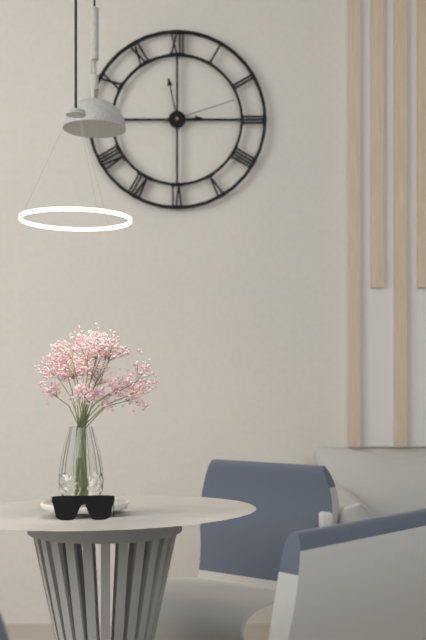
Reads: 2:58:12
